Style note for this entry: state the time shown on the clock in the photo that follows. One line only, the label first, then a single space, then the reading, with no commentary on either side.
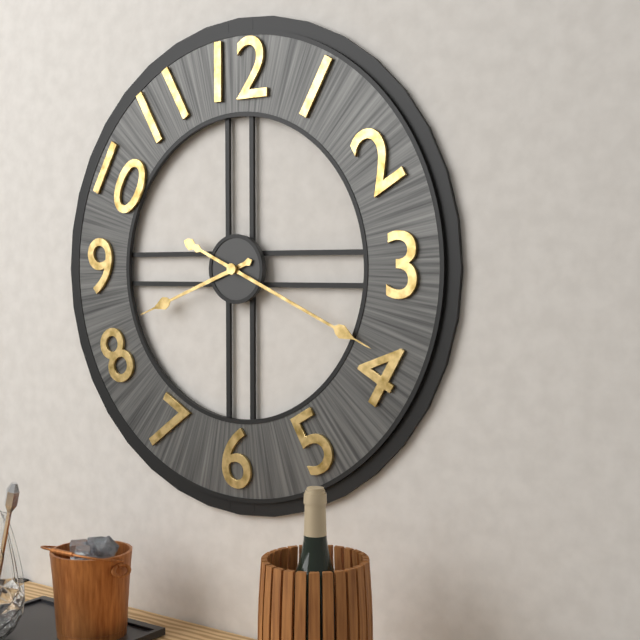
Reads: 8:19
